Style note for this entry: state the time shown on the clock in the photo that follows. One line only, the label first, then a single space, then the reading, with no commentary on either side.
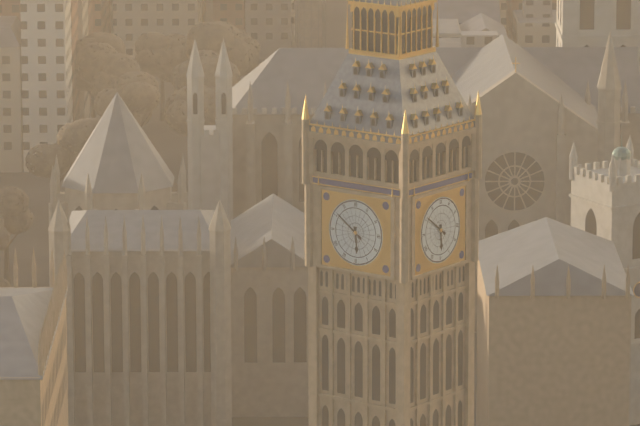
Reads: 5:51
